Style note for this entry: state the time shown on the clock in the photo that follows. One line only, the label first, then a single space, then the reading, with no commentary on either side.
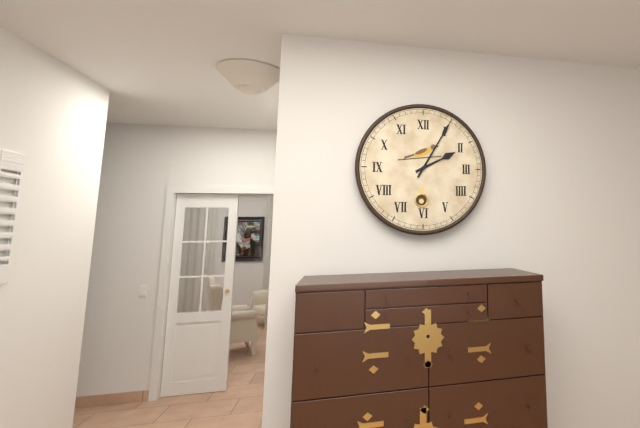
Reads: 2:05
